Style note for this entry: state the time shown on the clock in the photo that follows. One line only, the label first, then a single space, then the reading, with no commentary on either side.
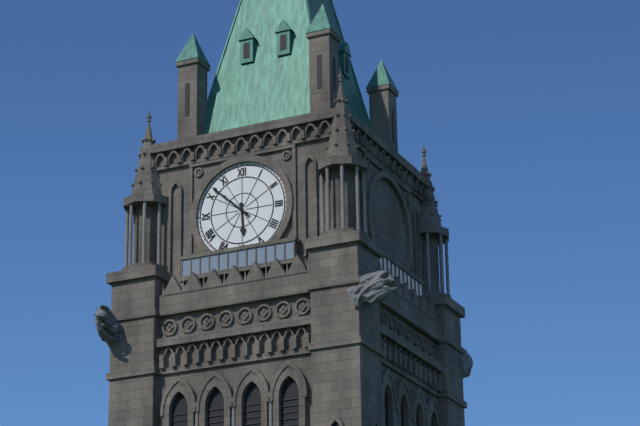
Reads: 5:52
